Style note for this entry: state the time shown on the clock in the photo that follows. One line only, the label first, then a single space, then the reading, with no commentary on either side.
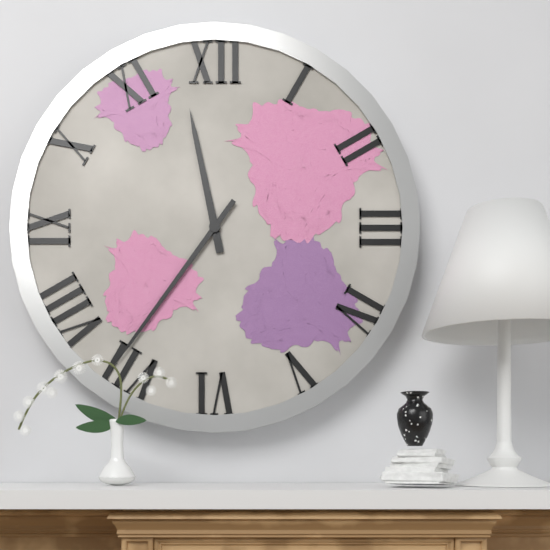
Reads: 11:36
